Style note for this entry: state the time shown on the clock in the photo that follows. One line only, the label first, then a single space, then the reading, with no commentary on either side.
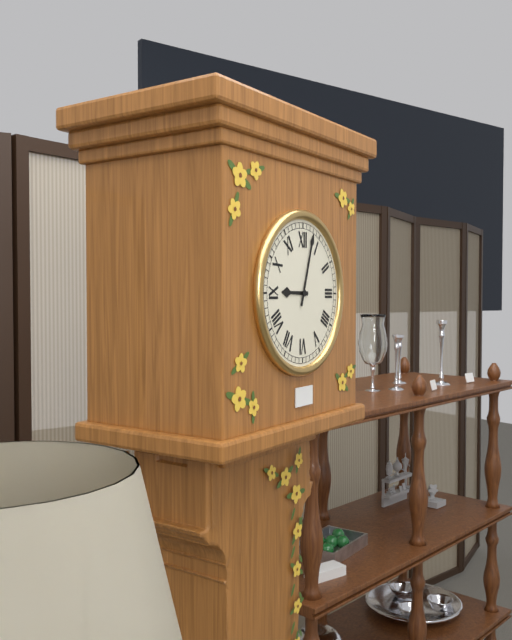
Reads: 9:03
